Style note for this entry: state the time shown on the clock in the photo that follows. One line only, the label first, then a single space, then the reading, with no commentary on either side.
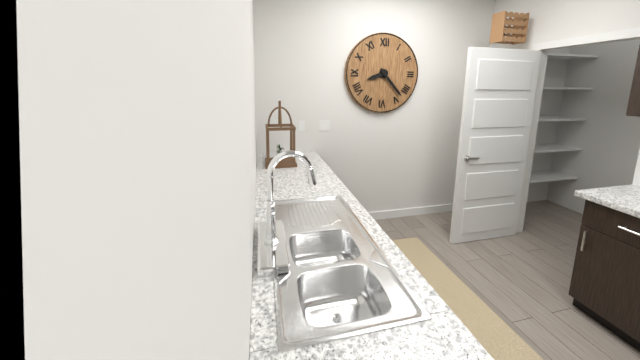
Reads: 8:23
